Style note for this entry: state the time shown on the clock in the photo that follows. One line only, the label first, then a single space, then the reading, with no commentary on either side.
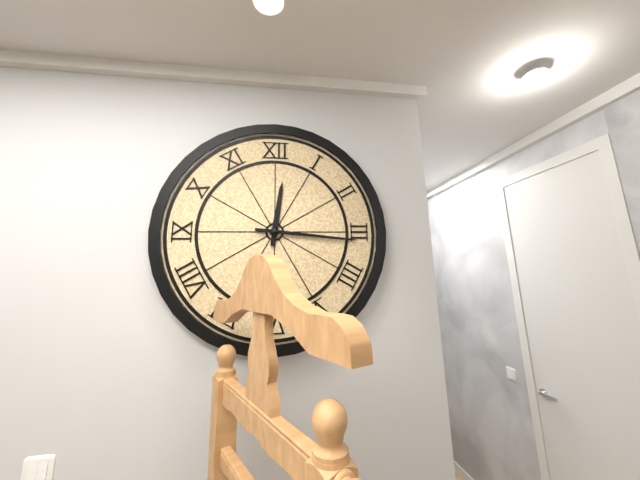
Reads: 12:16
